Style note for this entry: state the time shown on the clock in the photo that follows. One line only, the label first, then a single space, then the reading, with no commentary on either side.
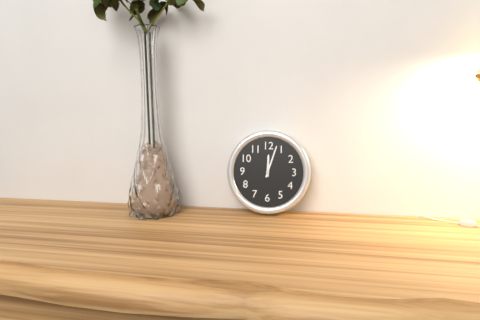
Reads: 12:03
